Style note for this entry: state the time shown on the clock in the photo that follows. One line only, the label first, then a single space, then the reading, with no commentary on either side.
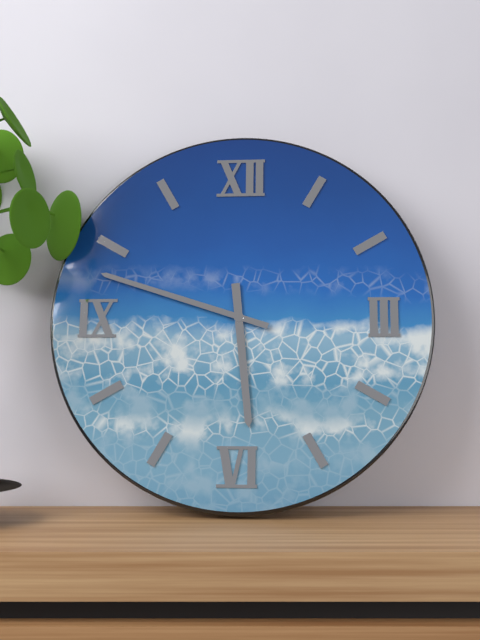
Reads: 5:48
